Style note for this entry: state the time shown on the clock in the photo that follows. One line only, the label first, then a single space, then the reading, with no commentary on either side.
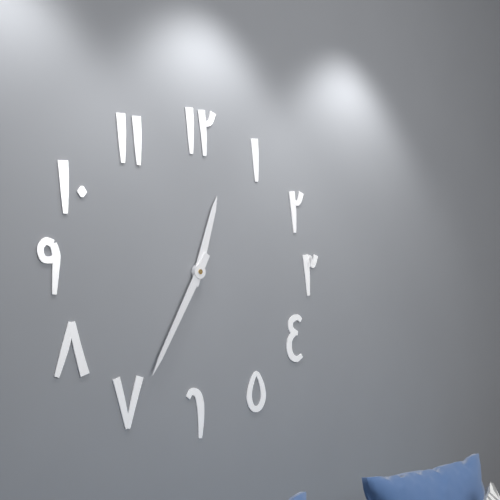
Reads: 12:35
